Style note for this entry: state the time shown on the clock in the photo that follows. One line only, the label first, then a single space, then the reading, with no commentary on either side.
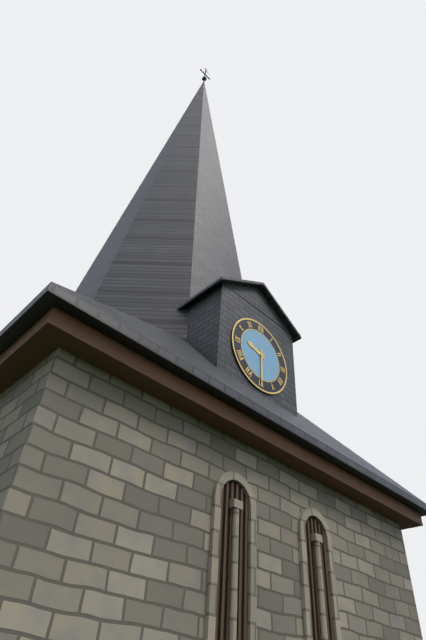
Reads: 9:30
